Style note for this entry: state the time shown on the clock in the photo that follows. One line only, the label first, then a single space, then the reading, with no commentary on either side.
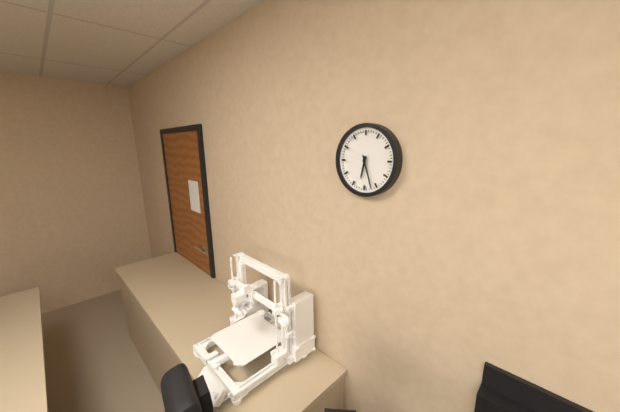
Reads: 6:27
